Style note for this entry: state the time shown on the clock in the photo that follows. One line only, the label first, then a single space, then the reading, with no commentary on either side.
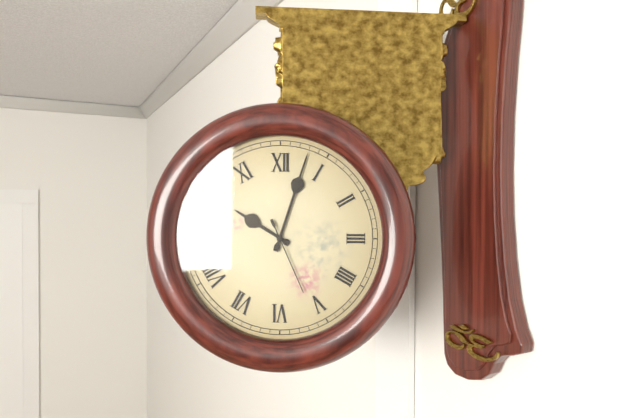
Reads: 10:03:26
